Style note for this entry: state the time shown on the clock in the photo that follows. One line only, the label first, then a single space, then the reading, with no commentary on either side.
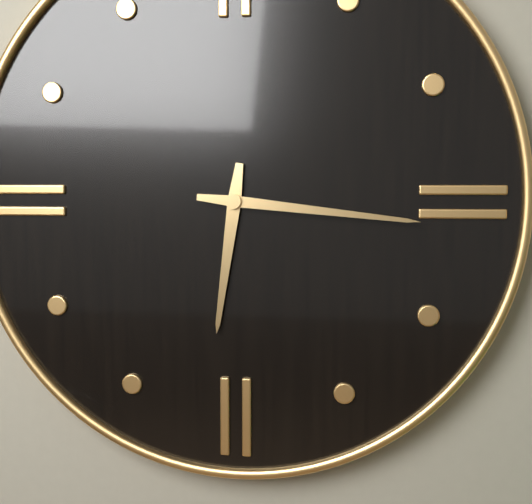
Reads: 6:16
